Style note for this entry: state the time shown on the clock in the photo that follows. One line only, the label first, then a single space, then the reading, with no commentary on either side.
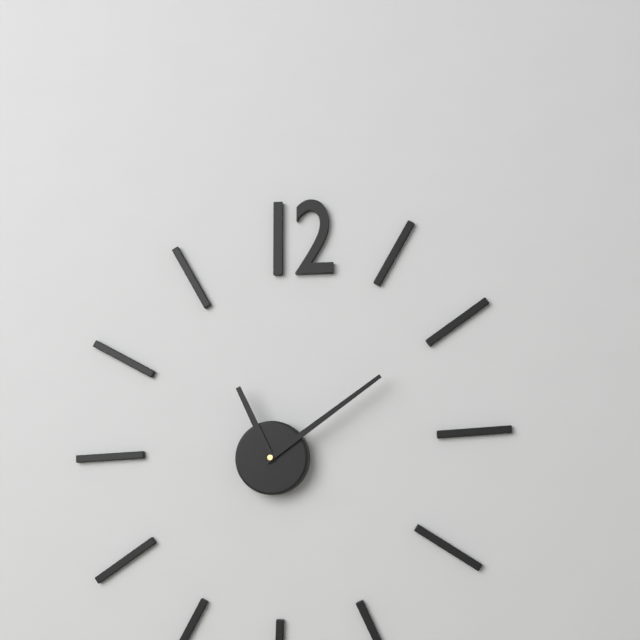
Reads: 11:09
